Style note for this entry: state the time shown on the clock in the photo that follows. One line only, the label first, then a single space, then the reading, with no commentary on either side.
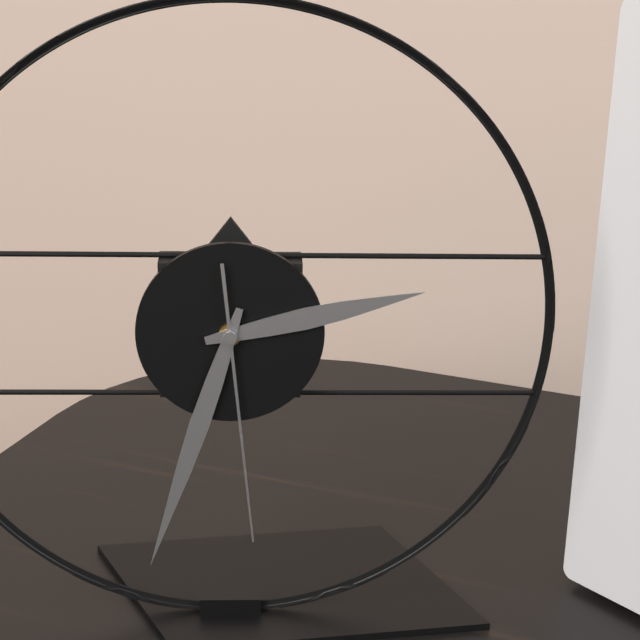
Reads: 2:33:29
